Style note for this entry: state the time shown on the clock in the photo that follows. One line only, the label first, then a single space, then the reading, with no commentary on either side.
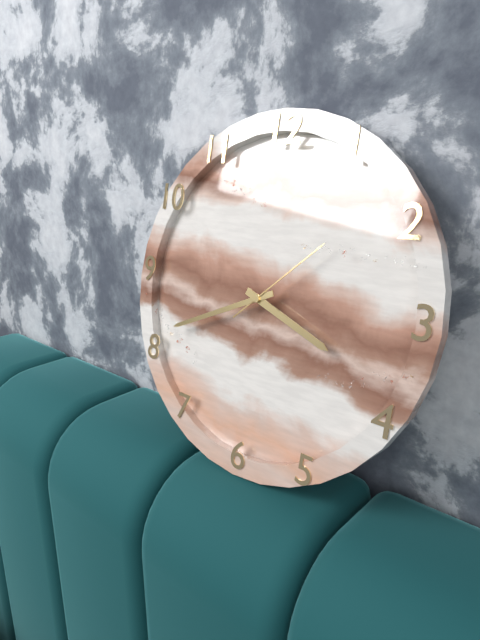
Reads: 3:41:08
